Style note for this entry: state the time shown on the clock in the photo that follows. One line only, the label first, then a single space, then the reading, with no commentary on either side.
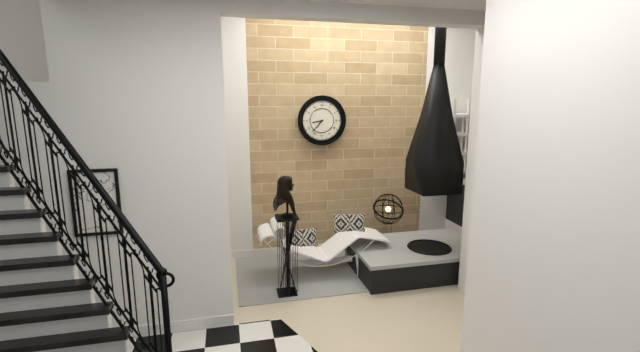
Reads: 8:37
